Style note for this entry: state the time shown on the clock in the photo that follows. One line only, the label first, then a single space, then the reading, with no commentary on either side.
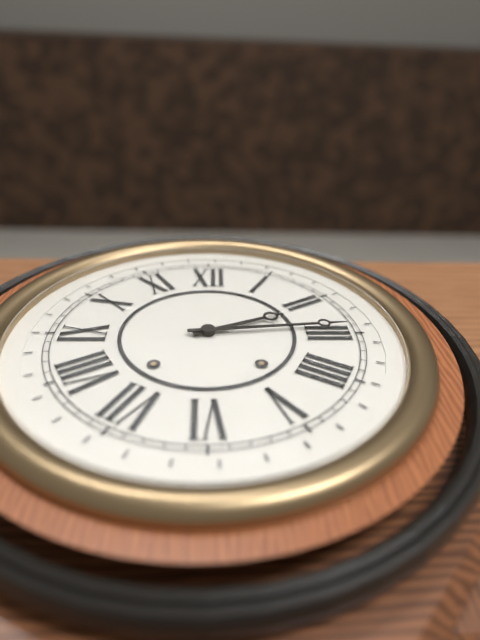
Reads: 2:14
